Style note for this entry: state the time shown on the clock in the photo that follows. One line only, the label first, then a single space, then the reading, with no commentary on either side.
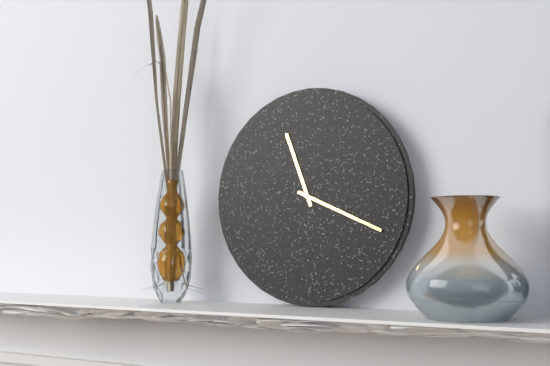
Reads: 11:19
